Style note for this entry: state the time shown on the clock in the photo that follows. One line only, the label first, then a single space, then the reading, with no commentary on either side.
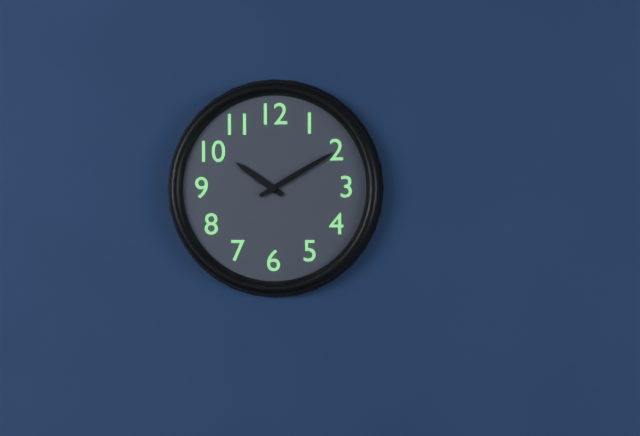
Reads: 10:10
